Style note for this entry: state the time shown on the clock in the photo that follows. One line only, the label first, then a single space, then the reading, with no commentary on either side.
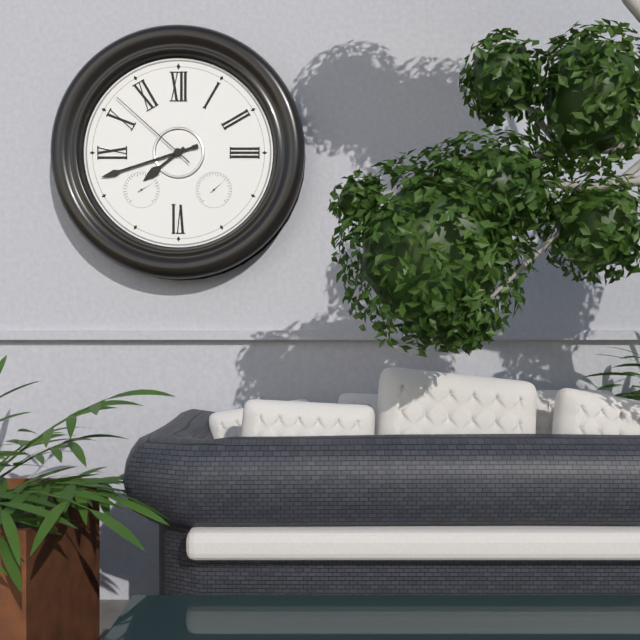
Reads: 7:42:52
